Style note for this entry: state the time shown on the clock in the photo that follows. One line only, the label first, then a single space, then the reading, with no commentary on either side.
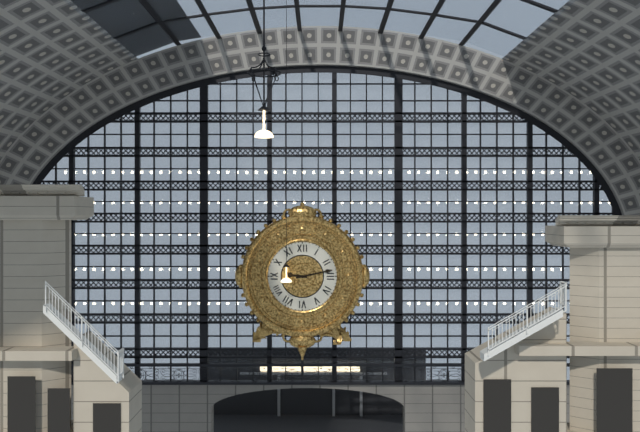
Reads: 9:13
